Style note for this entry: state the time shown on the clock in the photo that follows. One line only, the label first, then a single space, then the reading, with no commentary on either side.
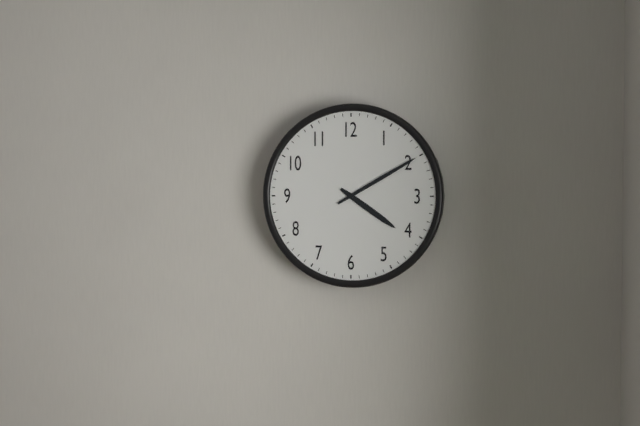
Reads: 4:10
